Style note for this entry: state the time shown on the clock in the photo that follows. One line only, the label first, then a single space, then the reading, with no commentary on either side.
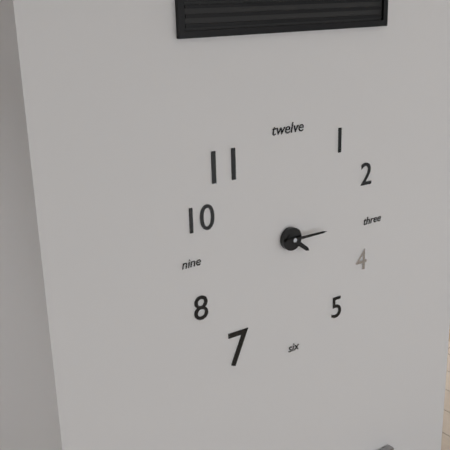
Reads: 4:15
